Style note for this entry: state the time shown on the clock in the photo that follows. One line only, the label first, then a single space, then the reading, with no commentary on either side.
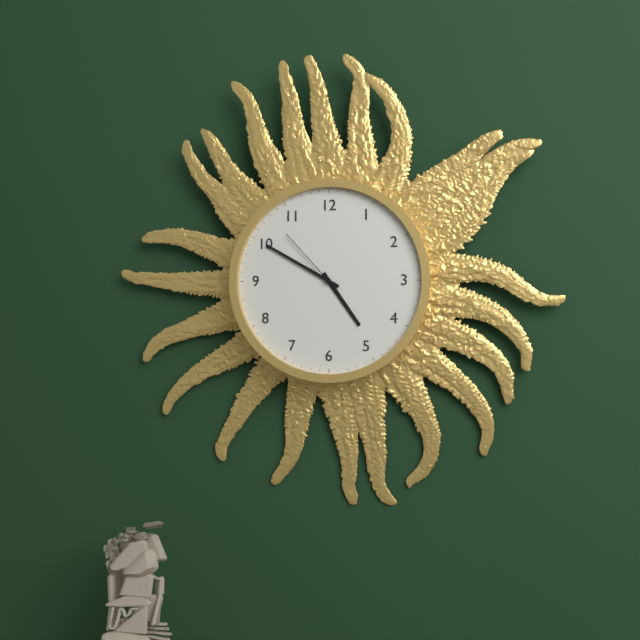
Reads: 4:50:53
